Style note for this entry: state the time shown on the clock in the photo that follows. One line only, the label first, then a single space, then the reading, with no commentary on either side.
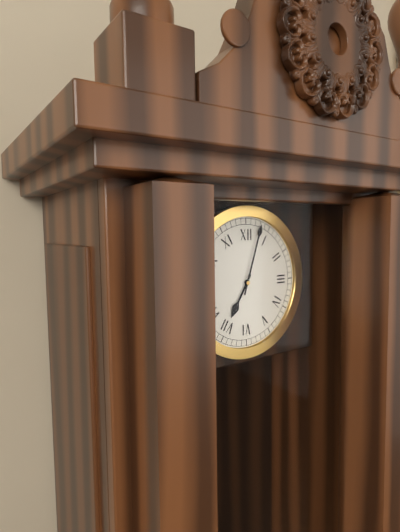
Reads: 7:03
